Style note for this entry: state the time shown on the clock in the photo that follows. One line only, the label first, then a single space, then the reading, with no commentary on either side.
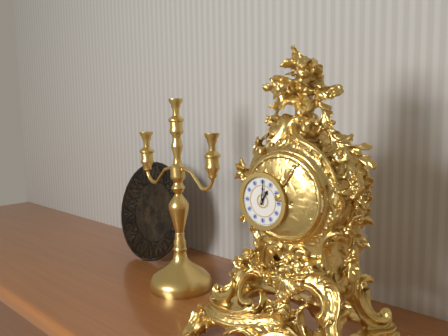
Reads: 1:01
